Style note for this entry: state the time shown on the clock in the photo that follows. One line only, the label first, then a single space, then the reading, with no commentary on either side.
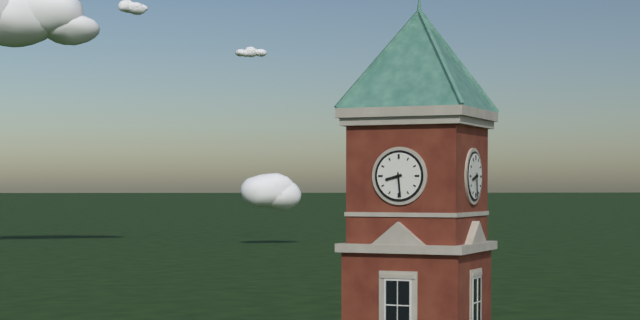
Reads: 8:29
